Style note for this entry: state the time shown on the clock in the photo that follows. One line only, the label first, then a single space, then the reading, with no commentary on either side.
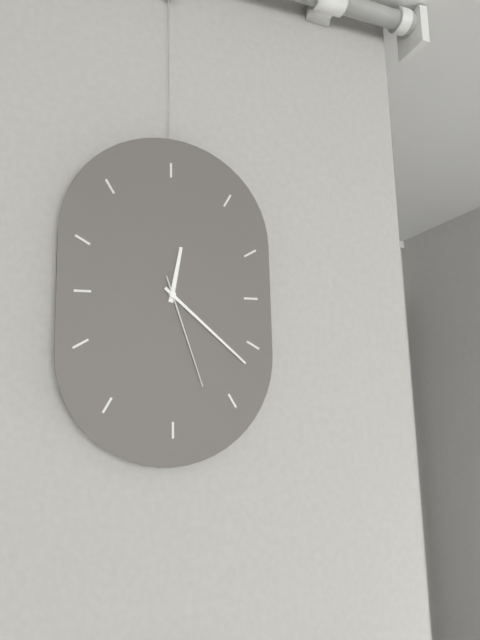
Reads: 12:22:27
